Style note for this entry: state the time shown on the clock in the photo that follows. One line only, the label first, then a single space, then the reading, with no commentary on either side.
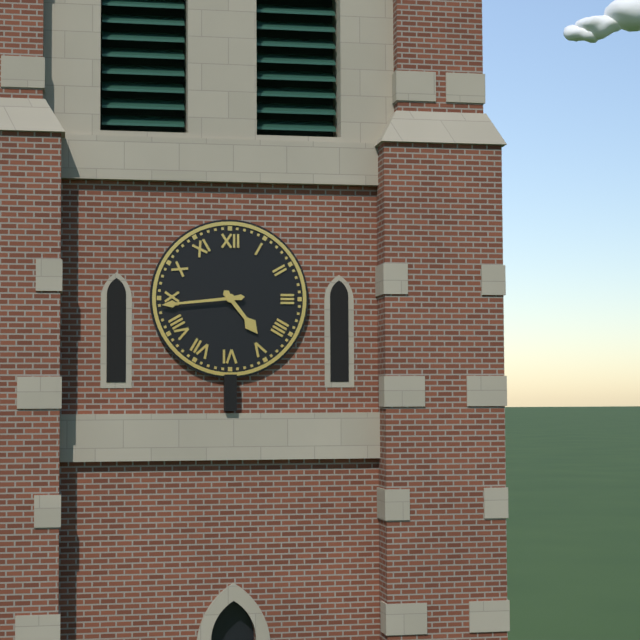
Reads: 4:44
